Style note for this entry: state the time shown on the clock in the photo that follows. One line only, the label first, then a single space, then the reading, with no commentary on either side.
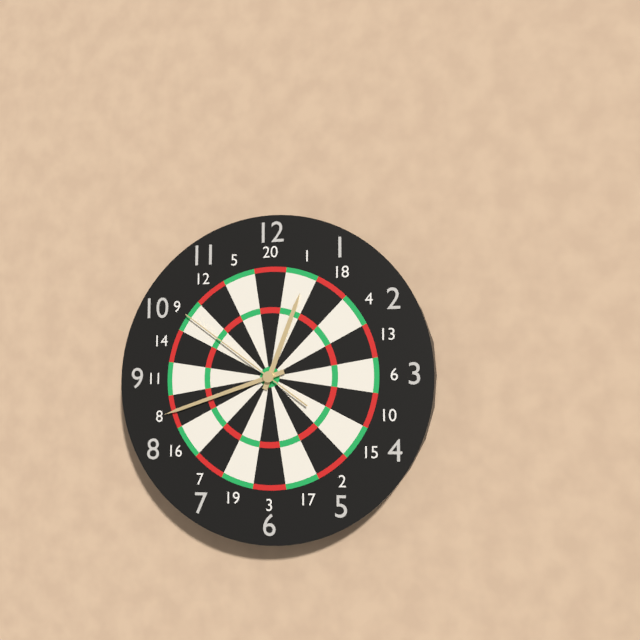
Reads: 12:42:51
